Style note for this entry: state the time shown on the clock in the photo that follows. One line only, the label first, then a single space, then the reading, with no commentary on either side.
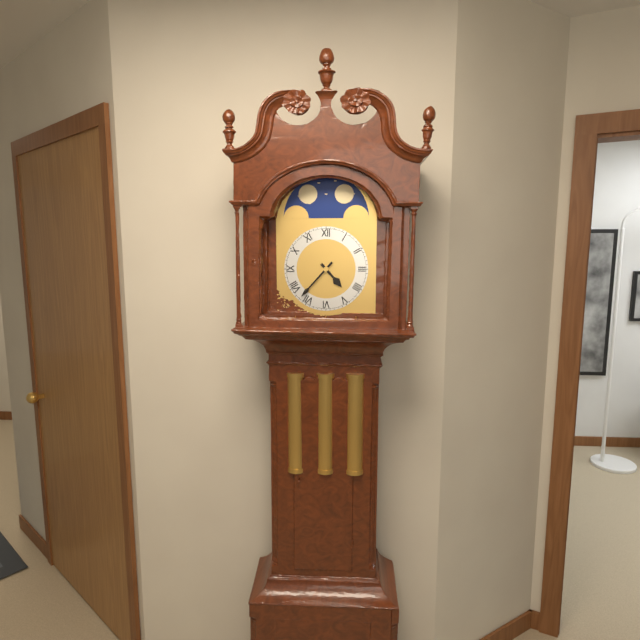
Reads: 4:37
